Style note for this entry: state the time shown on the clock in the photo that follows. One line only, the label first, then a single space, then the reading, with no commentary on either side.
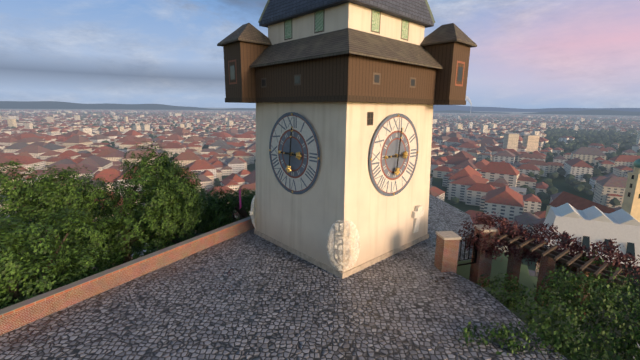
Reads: 9:01
